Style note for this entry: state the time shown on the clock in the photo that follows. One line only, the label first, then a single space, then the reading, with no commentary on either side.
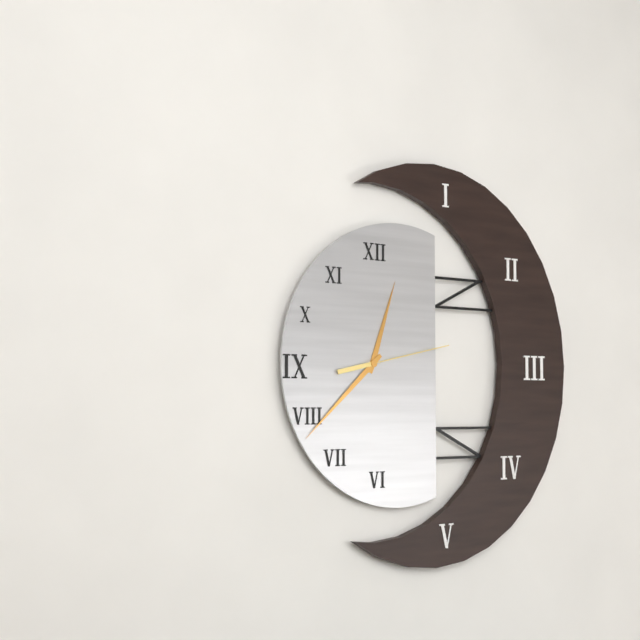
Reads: 12:38:13
